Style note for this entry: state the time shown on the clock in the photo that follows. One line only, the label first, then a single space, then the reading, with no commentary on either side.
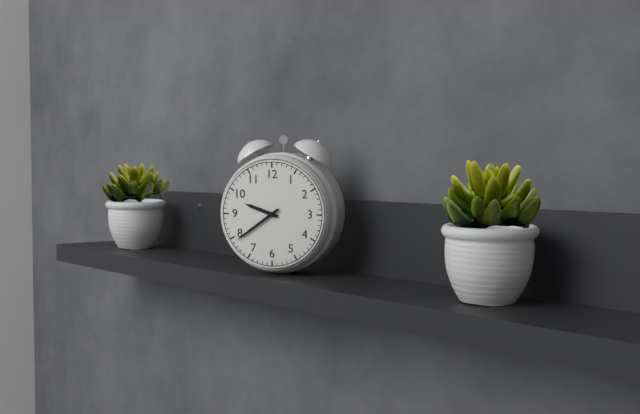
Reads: 9:39
